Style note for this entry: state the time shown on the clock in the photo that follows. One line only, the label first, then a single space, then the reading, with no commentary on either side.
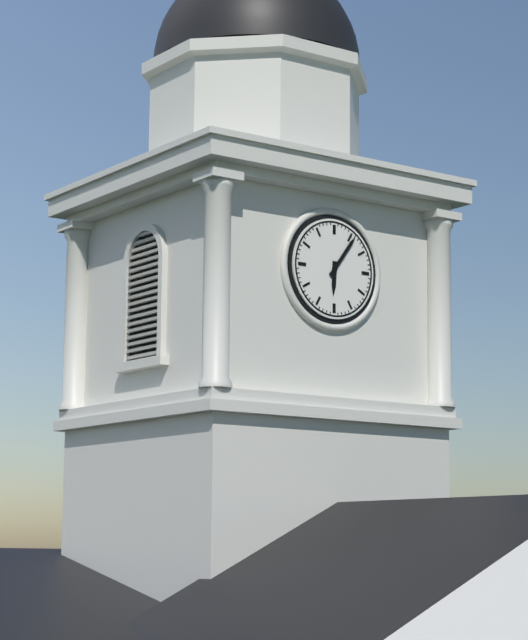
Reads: 6:06
